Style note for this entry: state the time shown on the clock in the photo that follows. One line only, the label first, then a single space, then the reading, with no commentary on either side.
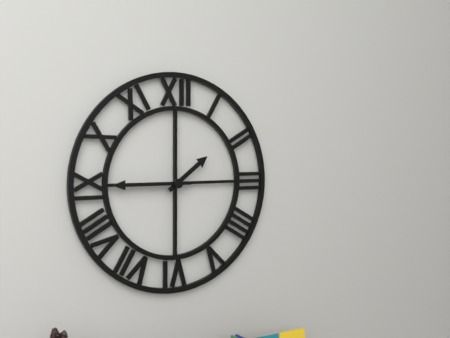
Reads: 1:45
